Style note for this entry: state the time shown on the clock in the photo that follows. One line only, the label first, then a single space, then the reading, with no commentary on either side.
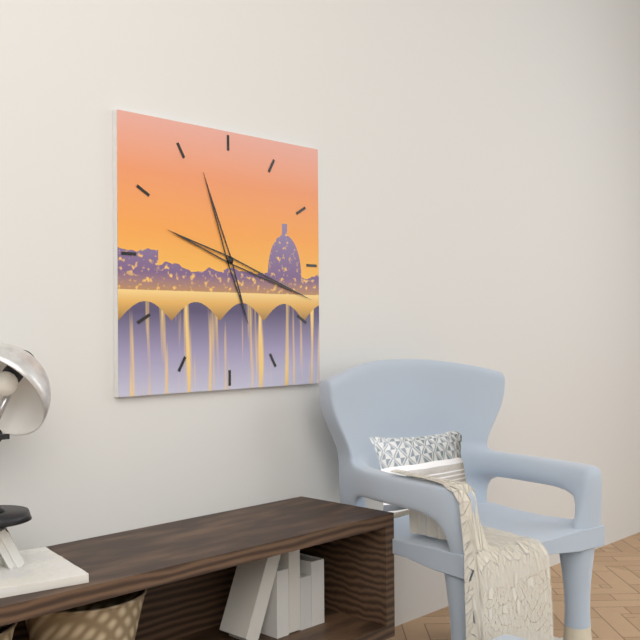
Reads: 11:18
